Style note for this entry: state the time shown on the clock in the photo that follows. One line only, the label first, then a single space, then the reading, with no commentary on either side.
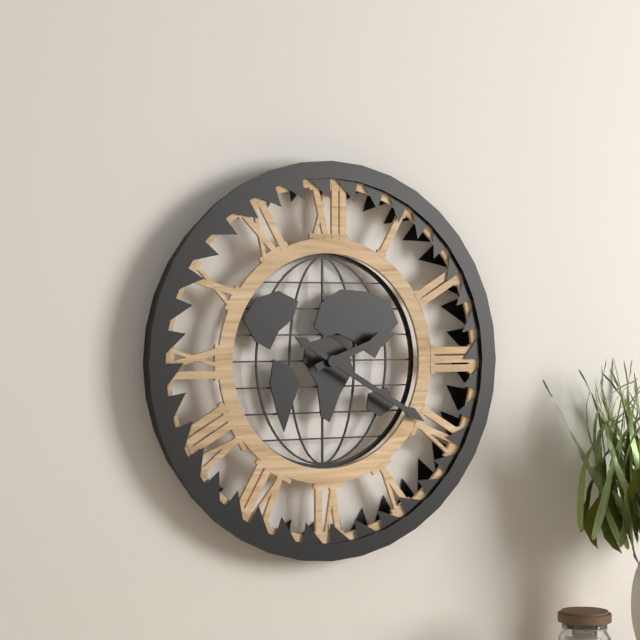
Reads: 2:20
